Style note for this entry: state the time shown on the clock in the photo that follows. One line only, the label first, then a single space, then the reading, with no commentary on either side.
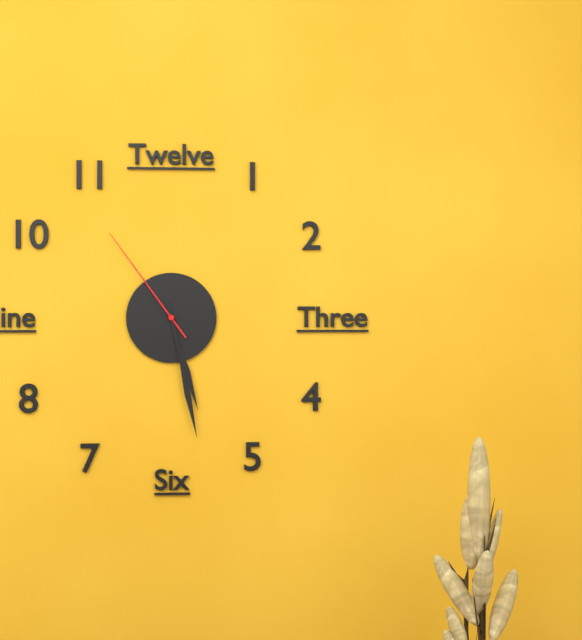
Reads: 5:28:54
